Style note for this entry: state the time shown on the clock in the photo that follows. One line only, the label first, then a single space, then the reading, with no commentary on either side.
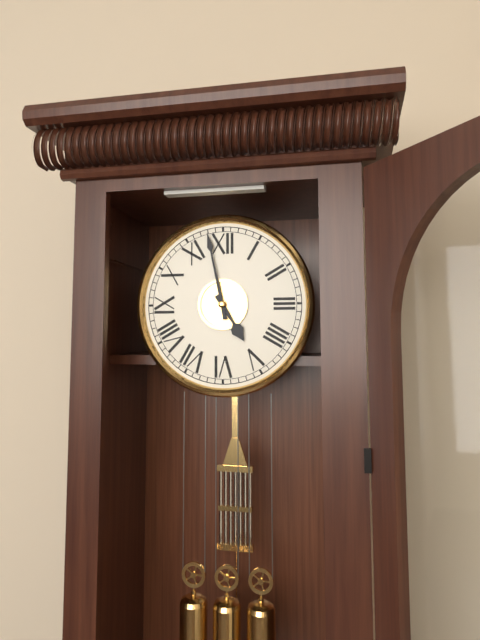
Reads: 4:58
